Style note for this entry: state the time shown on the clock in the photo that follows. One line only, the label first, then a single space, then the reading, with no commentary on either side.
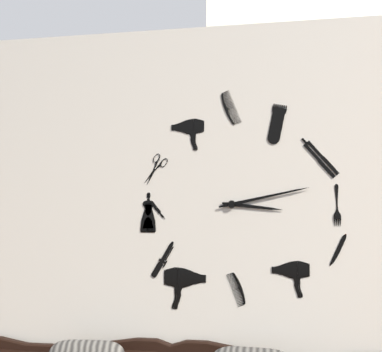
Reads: 3:13
